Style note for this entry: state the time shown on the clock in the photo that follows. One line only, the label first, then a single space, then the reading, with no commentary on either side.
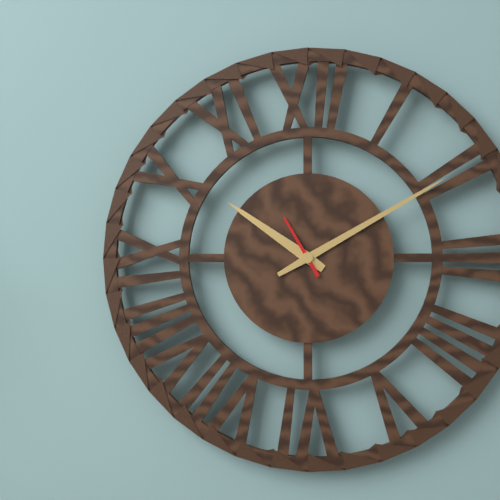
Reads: 10:10:55
